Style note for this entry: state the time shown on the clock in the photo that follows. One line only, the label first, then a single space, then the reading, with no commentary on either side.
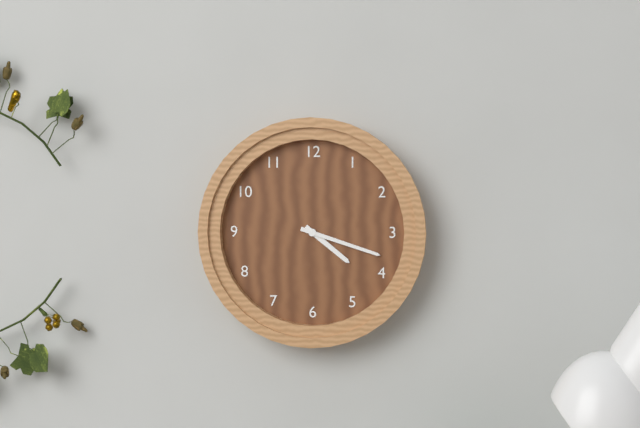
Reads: 4:18
